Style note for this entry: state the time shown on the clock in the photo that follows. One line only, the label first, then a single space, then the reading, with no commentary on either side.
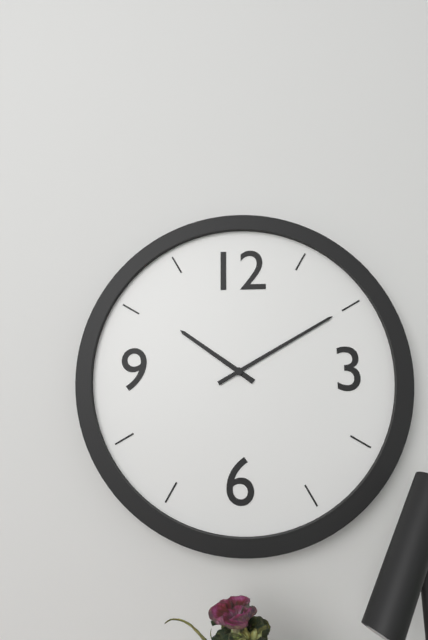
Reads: 10:10
